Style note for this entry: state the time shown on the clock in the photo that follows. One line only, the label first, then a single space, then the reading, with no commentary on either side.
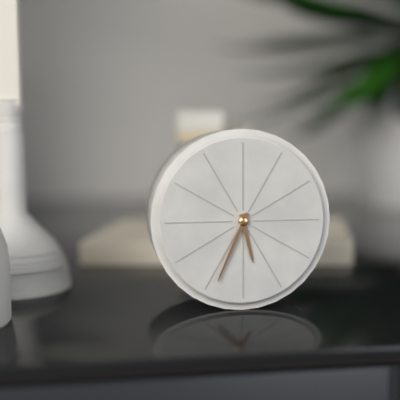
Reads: 5:34
